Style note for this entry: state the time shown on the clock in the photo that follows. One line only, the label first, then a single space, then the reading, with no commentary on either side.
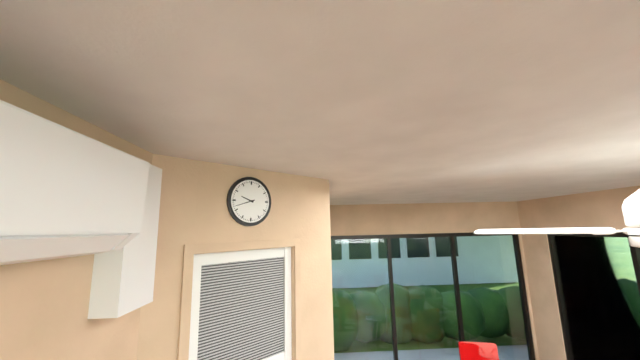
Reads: 9:42
